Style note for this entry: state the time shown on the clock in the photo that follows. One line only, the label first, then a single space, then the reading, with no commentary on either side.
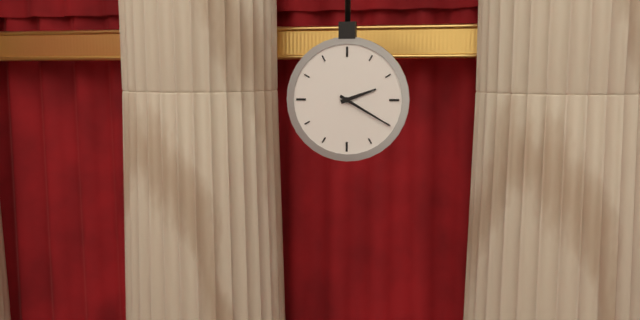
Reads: 2:20
